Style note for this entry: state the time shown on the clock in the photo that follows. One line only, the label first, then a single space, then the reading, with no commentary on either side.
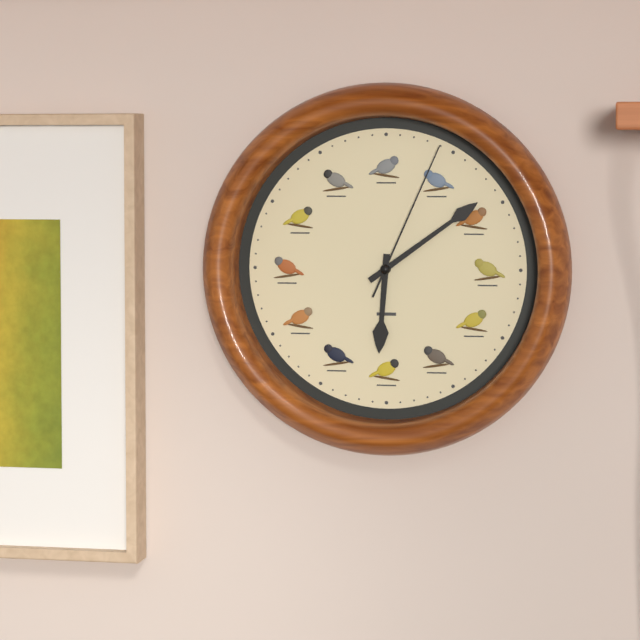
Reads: 6:09:04
